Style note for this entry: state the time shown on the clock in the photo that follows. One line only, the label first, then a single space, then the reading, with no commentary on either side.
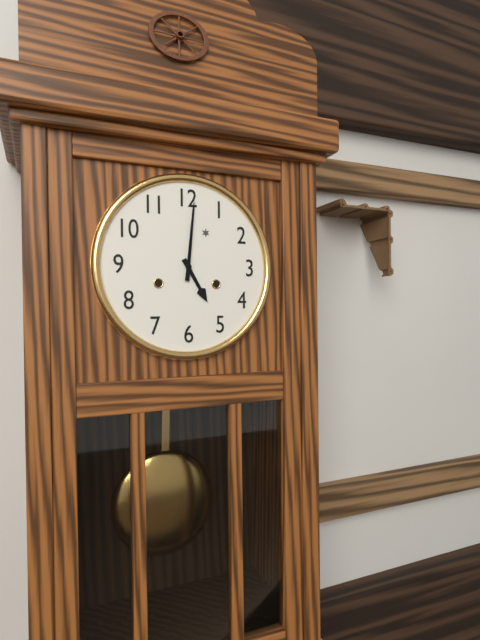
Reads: 5:01
